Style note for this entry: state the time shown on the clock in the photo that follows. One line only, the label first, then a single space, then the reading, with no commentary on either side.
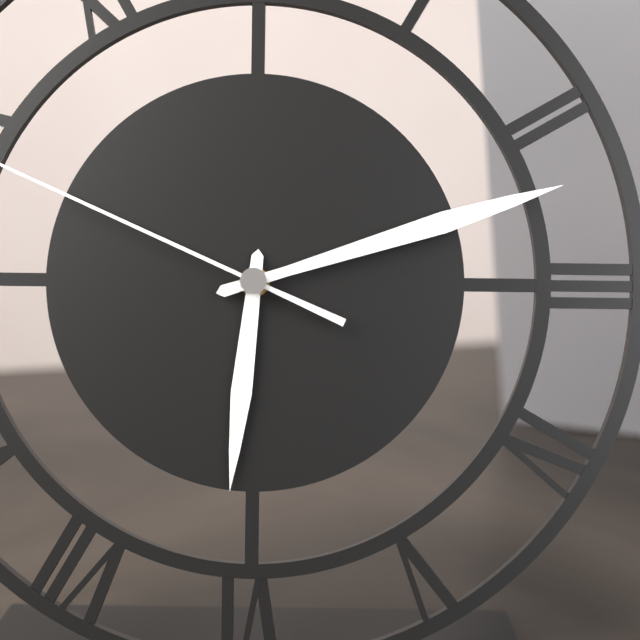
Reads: 6:12
